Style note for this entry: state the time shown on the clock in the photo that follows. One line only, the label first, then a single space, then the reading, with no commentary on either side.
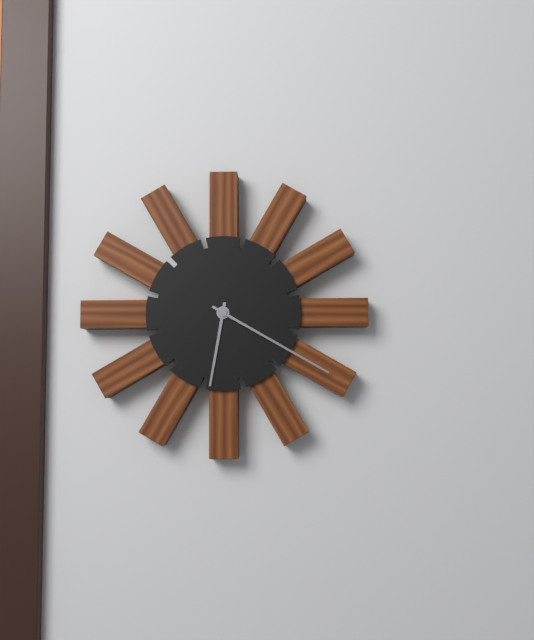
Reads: 6:20
